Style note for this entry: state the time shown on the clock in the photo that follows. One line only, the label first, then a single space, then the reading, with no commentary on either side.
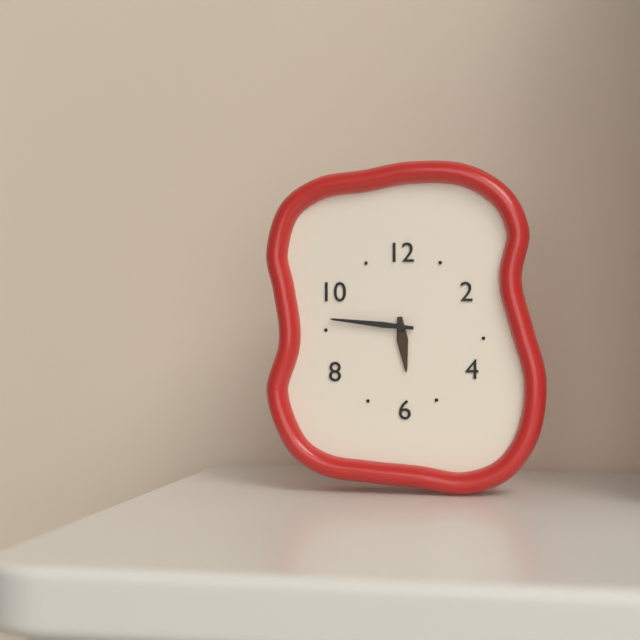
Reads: 5:46
